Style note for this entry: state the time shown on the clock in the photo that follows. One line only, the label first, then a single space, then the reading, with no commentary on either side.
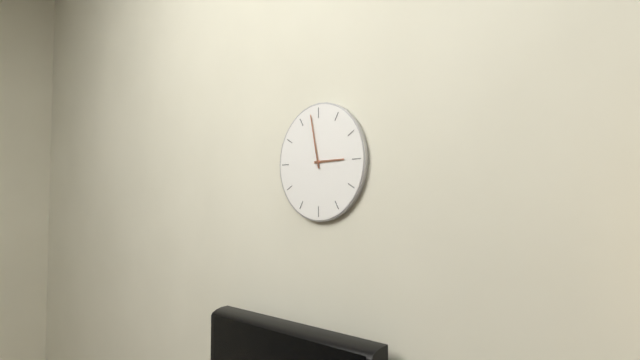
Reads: 2:58
